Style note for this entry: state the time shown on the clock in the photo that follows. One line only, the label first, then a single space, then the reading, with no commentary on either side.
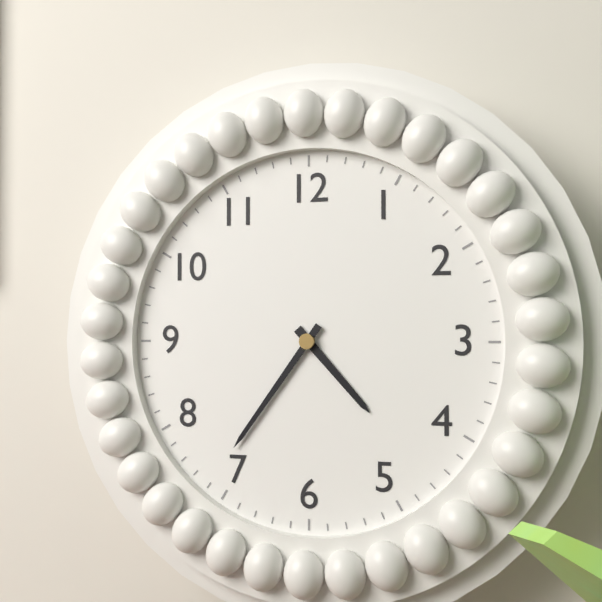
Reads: 4:36
